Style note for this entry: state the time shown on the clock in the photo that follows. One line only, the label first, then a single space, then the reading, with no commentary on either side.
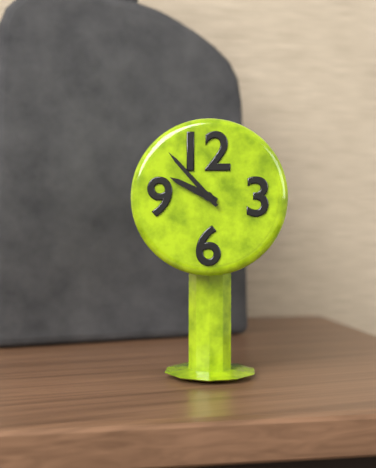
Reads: 9:53
